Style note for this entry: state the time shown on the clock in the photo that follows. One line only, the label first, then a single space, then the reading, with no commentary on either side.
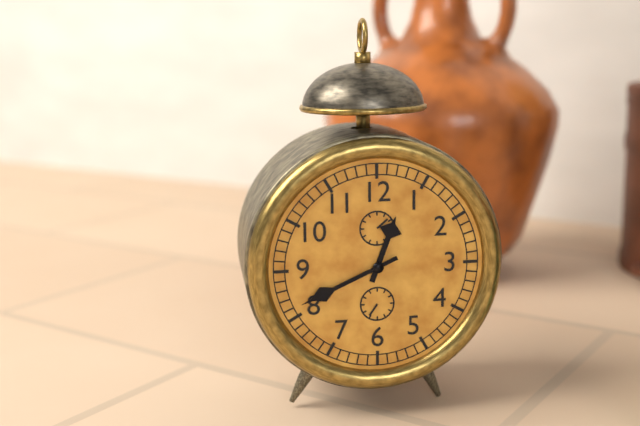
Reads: 12:41
